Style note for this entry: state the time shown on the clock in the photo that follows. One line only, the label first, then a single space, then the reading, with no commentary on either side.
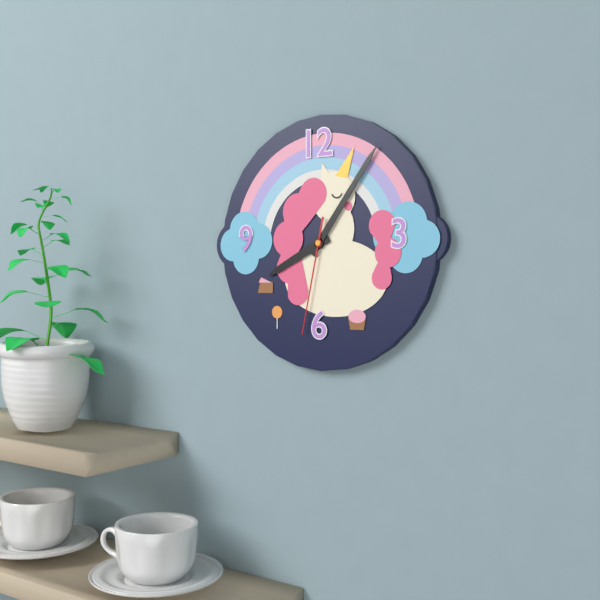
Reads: 8:06:32
